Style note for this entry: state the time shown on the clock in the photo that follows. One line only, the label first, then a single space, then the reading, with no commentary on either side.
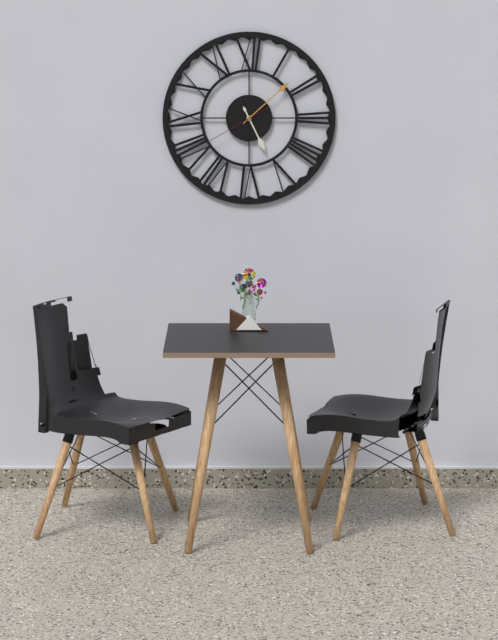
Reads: 5:08:40
